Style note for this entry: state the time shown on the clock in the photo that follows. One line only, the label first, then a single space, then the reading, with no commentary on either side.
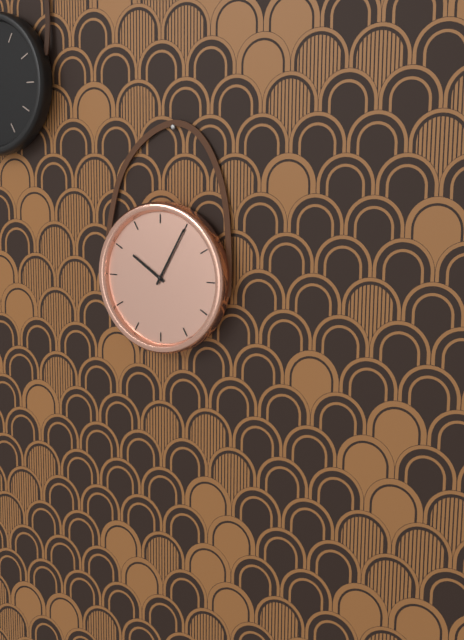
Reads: 10:05
